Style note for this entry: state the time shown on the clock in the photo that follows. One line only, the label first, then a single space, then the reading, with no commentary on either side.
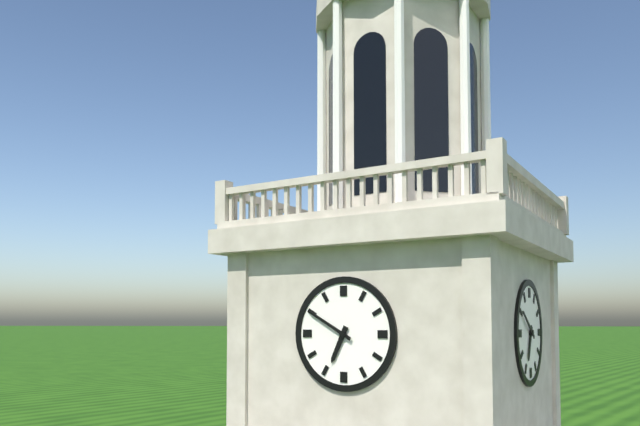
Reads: 6:50
